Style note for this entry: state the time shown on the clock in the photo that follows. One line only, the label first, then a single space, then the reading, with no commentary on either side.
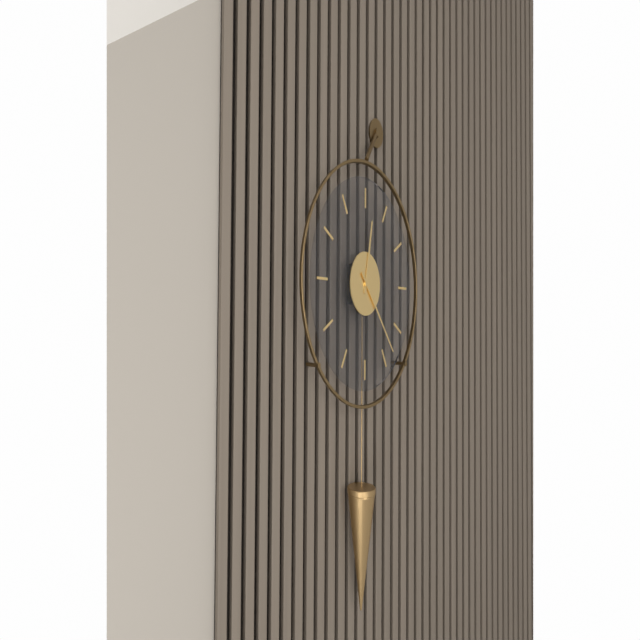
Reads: 12:23
